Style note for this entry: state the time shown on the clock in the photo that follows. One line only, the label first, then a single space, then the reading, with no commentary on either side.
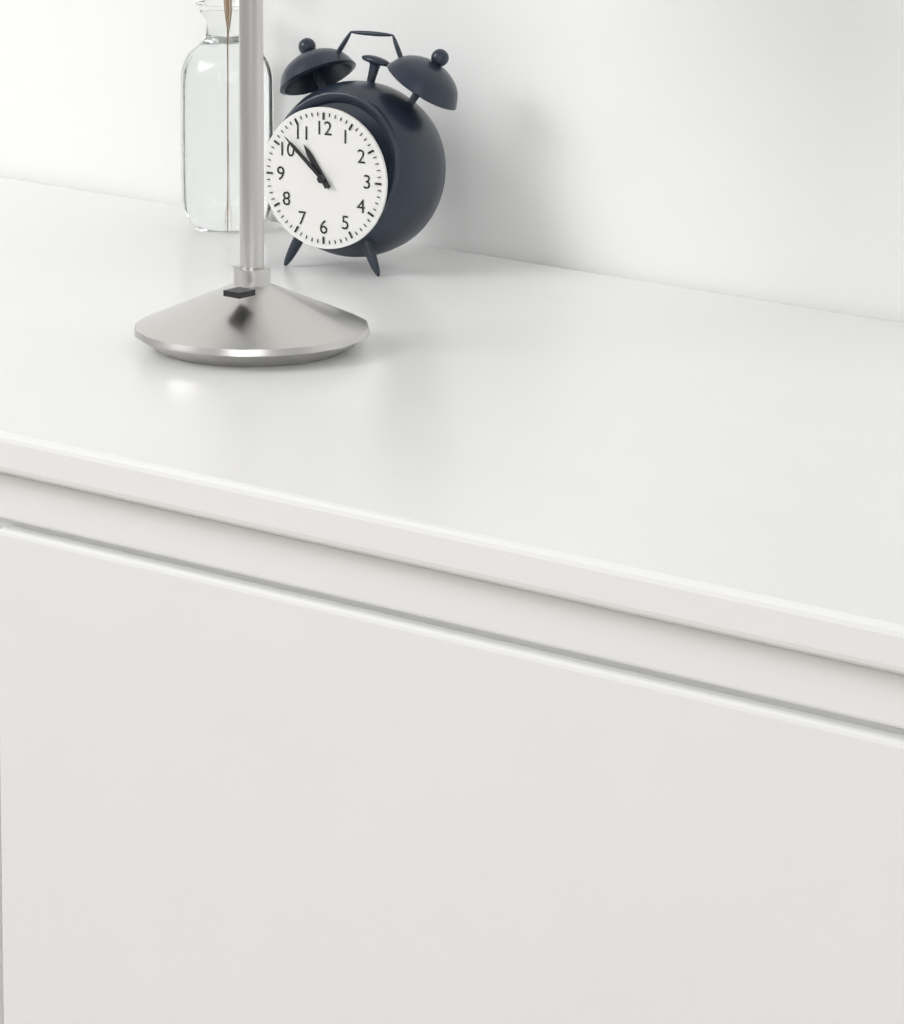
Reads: 10:52
